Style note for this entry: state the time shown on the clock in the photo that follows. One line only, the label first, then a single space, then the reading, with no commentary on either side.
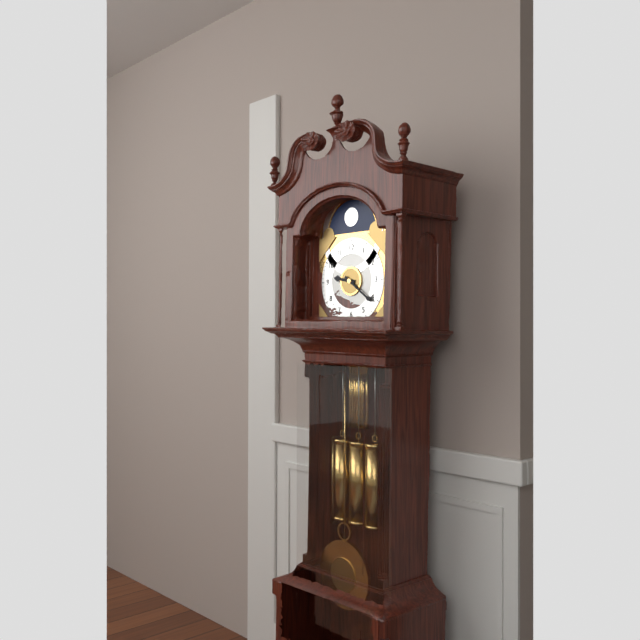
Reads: 9:21
